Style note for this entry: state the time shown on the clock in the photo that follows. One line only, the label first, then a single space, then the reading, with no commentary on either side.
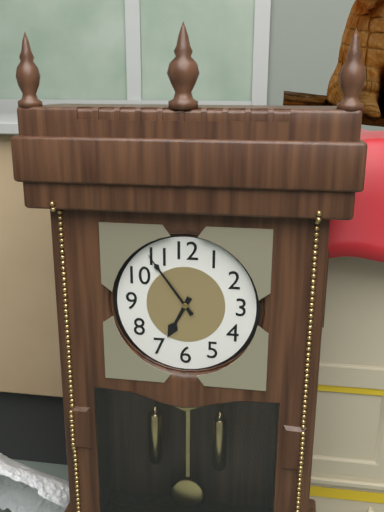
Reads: 6:54
